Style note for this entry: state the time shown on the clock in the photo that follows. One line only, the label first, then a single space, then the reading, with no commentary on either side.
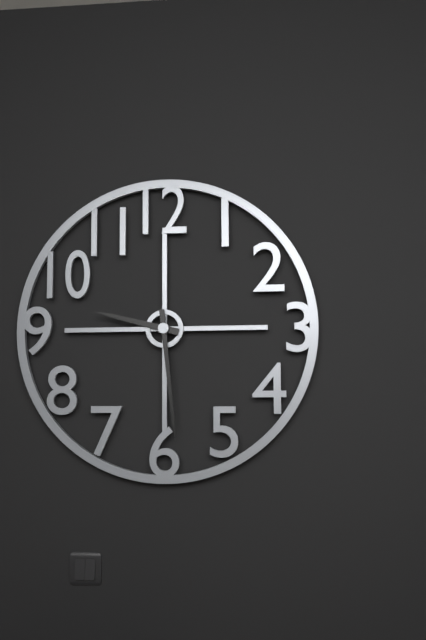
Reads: 9:29
